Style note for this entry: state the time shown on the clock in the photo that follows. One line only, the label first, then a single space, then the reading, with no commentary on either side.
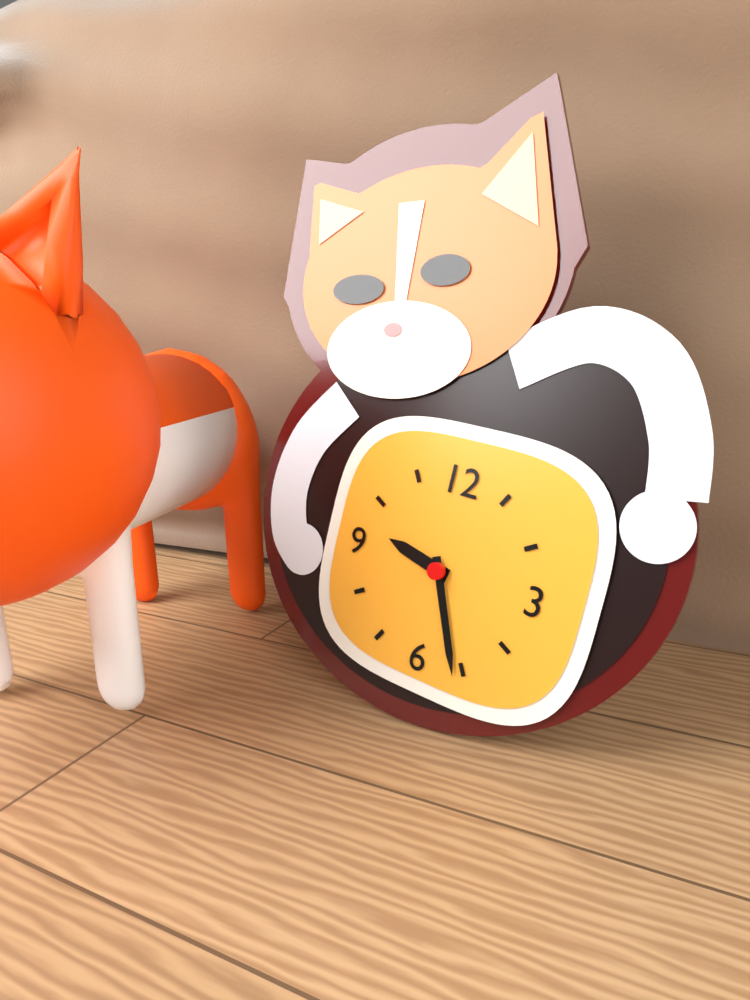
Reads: 9:26
